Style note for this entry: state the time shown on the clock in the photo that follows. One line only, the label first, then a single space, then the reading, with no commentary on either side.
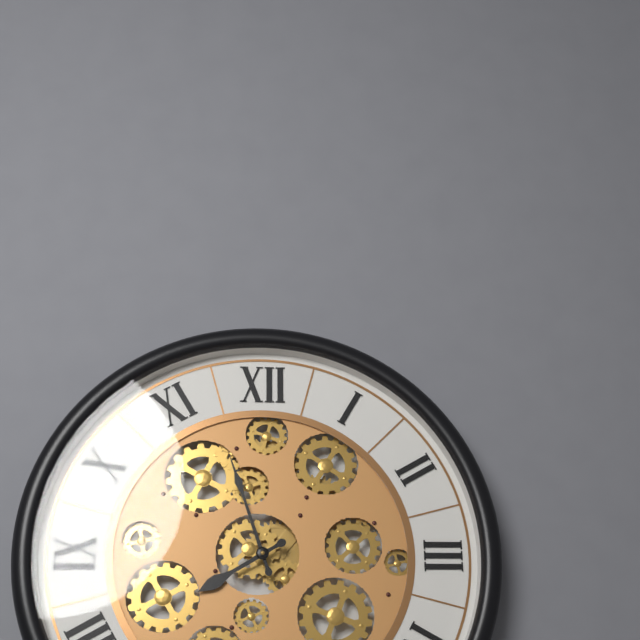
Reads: 7:57
